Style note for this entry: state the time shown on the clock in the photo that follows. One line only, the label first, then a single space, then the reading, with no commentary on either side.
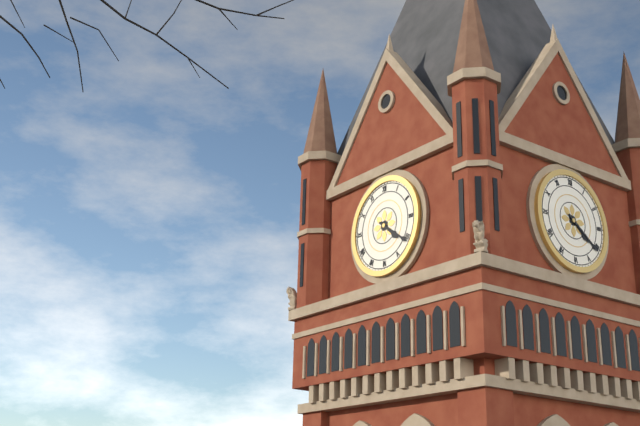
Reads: 4:21
